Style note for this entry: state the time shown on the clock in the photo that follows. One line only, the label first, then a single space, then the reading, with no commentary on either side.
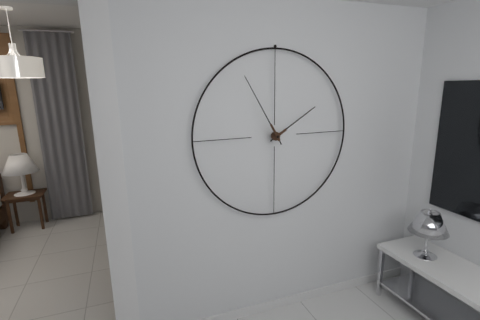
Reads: 1:55
